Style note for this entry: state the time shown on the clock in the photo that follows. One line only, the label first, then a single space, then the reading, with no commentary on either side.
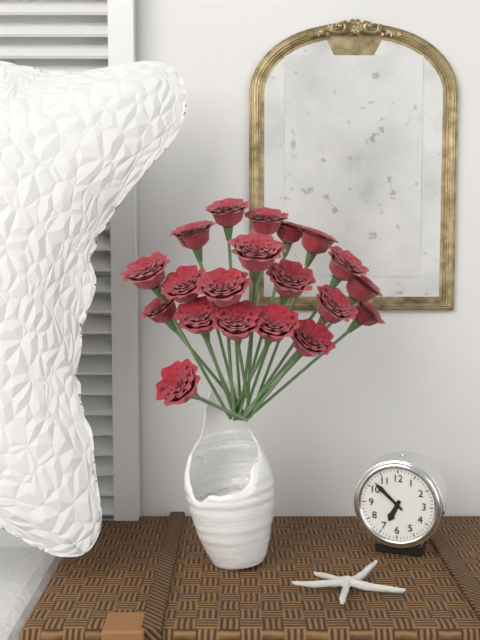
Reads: 6:52
